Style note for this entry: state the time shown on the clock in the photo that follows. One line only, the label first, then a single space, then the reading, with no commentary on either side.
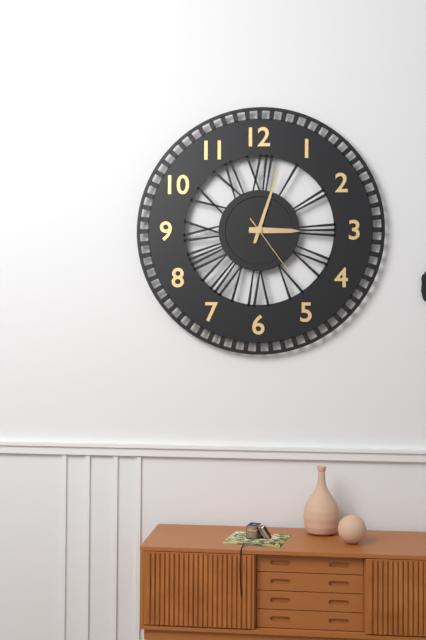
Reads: 3:03:24
